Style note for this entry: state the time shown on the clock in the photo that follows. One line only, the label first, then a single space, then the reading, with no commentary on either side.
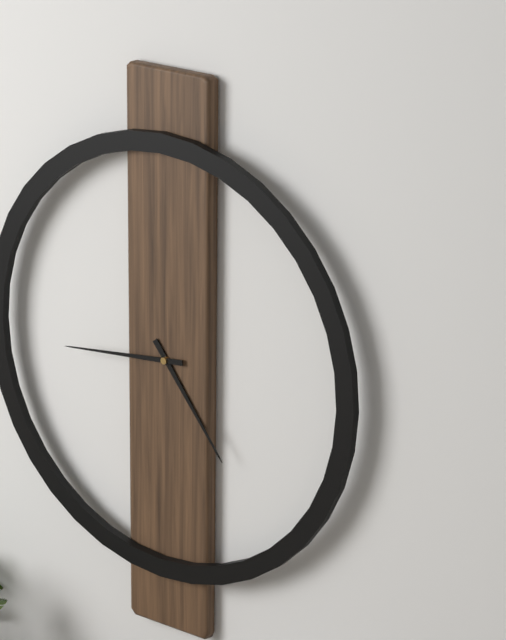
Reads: 4:44
